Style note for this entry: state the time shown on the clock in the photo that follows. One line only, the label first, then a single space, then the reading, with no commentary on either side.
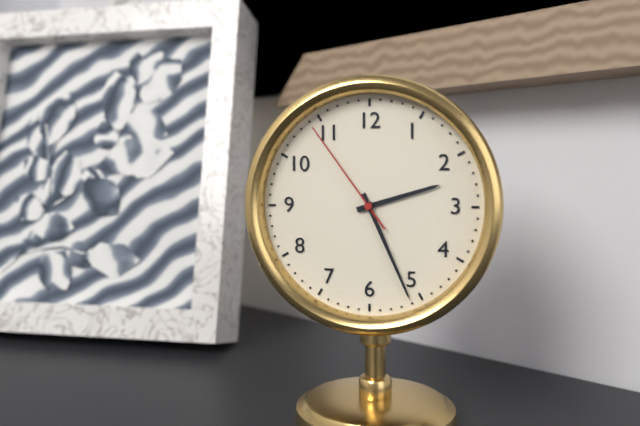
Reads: 2:26:54
